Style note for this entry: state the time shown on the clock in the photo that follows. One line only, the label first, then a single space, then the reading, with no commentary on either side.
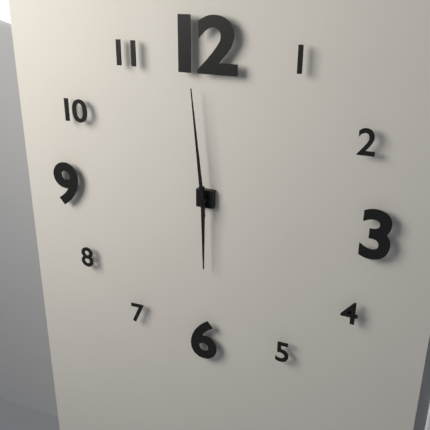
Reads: 5:59
